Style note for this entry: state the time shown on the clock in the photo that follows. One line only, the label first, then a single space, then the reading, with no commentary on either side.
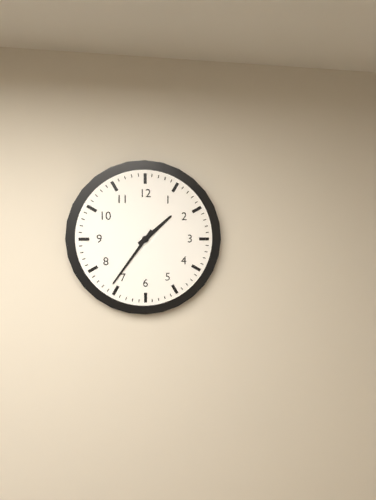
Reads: 1:36
